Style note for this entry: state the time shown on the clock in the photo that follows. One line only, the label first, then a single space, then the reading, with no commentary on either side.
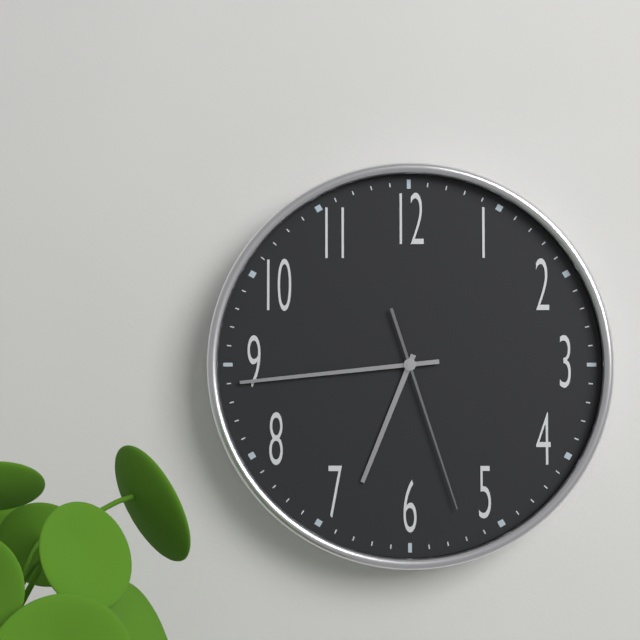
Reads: 6:44:27
